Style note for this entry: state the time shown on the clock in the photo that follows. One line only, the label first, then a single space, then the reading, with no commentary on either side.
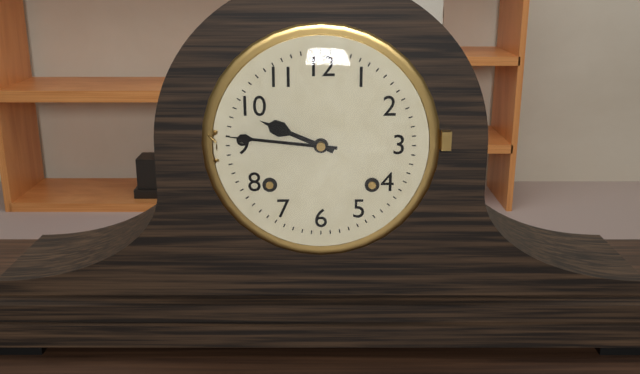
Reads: 9:46
